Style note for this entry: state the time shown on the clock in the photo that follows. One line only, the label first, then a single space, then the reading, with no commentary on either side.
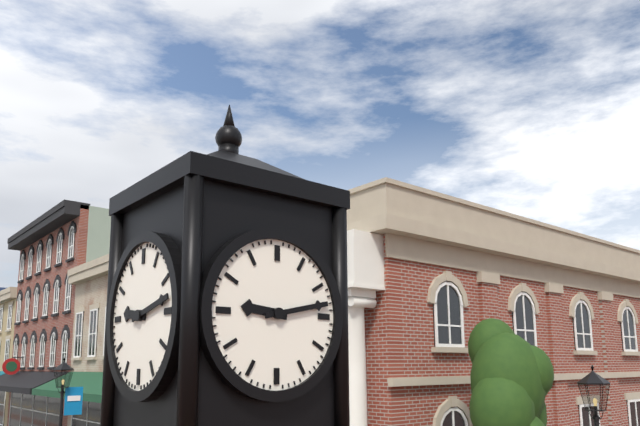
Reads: 9:13
